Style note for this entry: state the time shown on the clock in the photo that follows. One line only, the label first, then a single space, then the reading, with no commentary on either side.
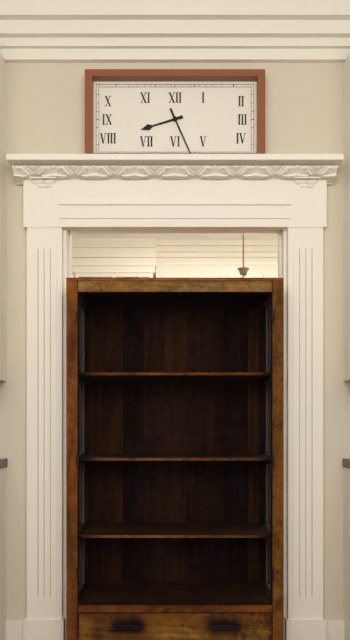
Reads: 8:26
